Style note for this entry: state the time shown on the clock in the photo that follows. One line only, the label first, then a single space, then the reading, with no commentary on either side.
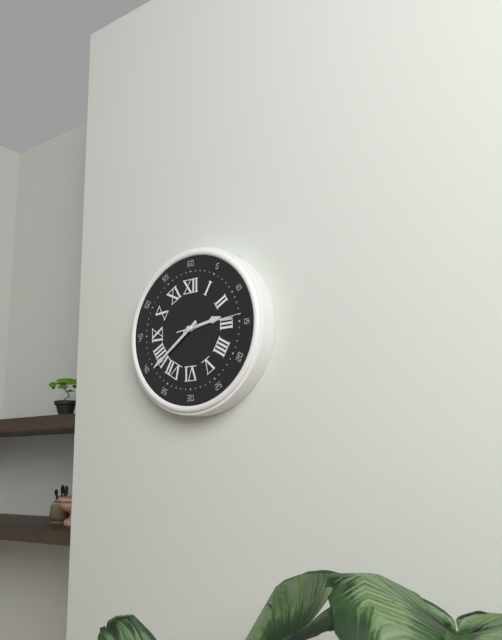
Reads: 2:39:14
